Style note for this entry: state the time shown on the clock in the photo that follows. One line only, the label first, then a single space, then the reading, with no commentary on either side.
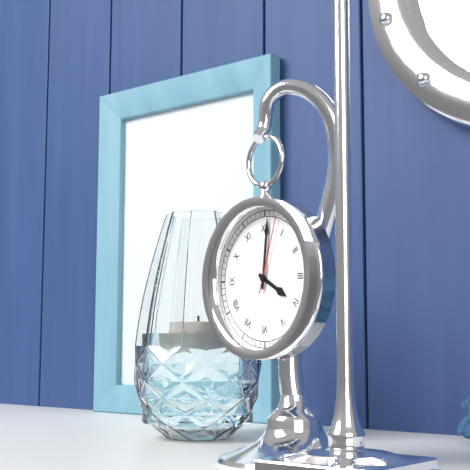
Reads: 4:01:03
